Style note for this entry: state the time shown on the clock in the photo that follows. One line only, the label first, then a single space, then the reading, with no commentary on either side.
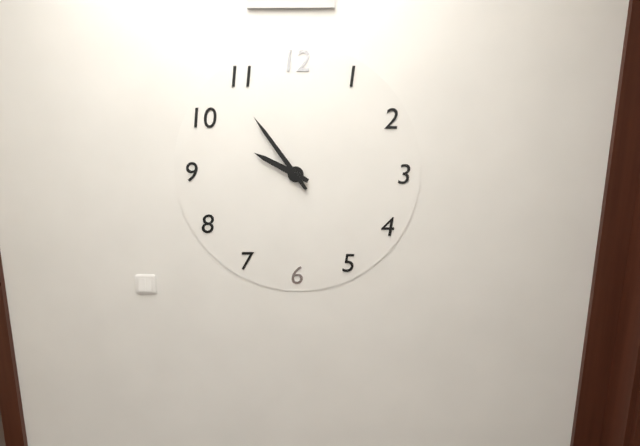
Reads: 9:54
